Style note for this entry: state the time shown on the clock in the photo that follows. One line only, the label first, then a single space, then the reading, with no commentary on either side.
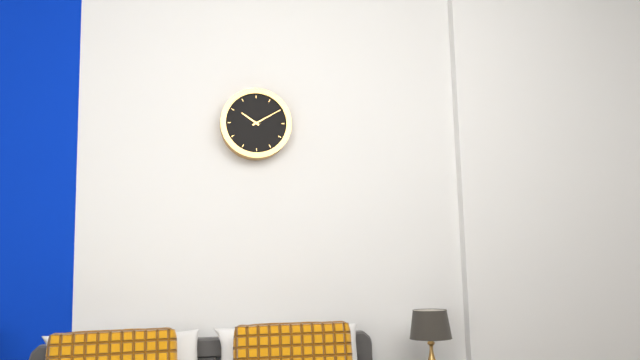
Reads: 10:10
